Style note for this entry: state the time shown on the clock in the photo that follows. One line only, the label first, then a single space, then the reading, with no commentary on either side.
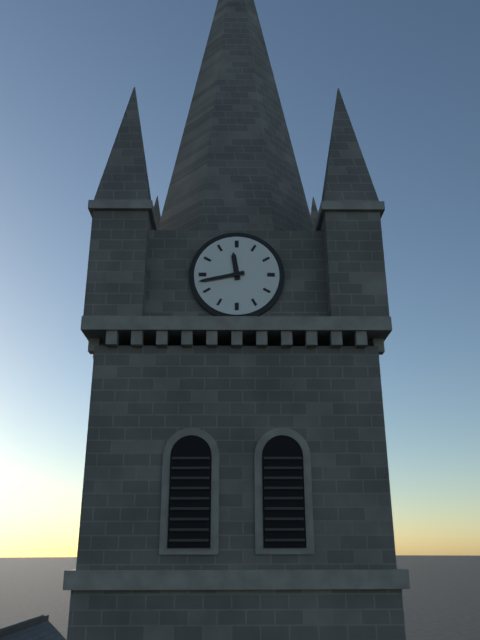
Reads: 11:43
